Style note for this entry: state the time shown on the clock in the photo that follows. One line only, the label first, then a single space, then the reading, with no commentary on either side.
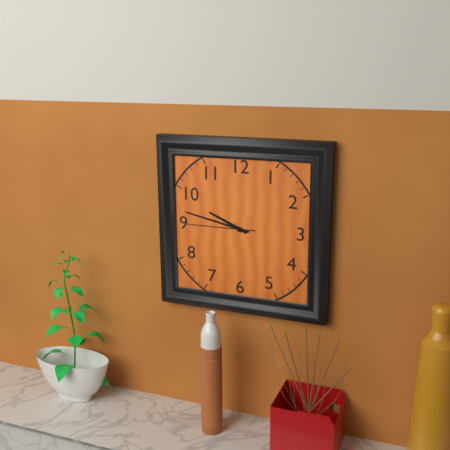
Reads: 9:47:45
